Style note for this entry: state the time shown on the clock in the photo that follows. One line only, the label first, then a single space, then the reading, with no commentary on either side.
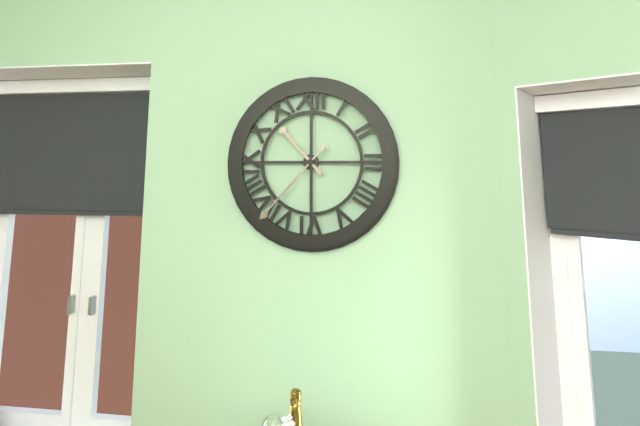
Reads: 10:37
